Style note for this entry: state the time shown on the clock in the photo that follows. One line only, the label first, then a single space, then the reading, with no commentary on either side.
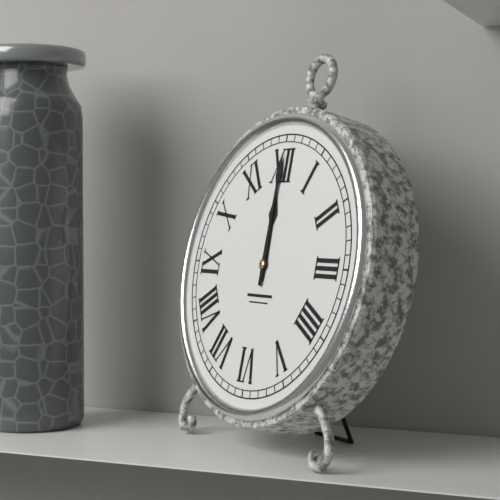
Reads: 12:00
